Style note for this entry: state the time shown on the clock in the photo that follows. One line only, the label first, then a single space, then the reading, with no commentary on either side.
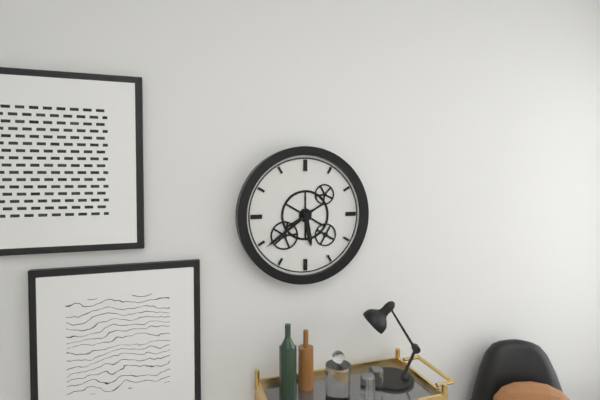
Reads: 5:39
